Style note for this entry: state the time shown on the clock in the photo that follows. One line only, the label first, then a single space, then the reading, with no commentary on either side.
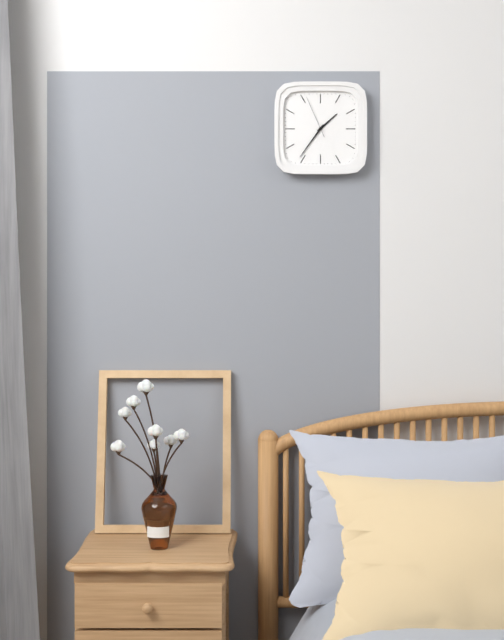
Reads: 1:36
